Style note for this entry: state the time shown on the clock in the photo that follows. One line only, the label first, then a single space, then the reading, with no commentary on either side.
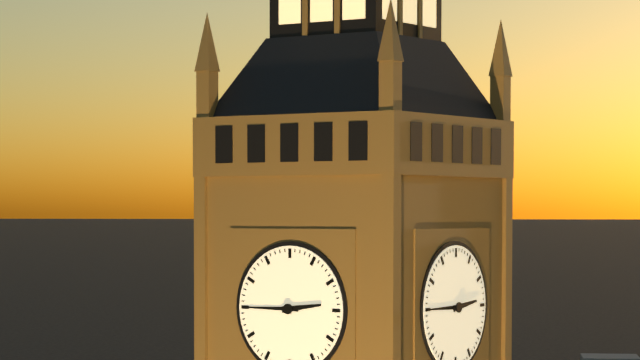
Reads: 2:45
